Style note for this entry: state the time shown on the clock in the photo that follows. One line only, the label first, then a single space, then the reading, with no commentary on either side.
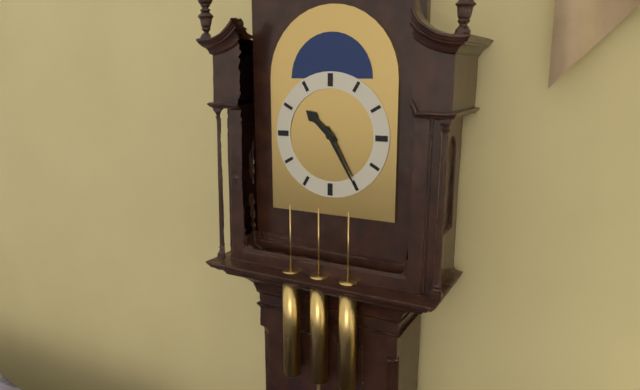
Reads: 10:25
